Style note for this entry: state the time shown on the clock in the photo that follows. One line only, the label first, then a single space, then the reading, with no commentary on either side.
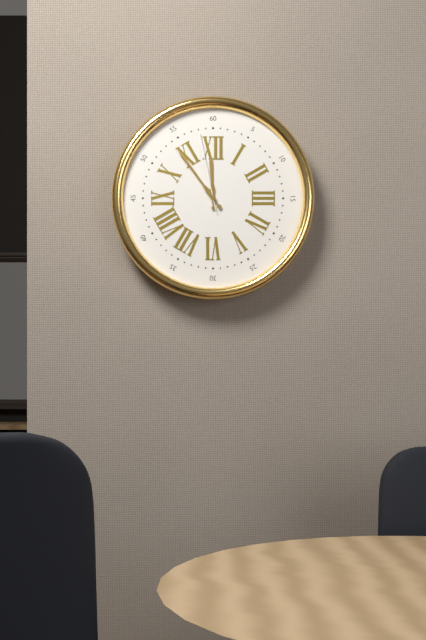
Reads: 11:54:58
